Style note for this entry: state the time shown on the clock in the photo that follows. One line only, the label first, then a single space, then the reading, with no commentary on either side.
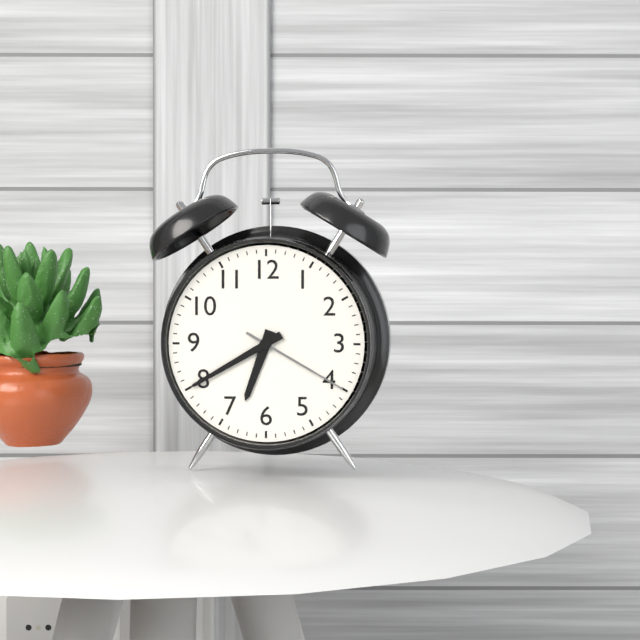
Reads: 6:40:20
